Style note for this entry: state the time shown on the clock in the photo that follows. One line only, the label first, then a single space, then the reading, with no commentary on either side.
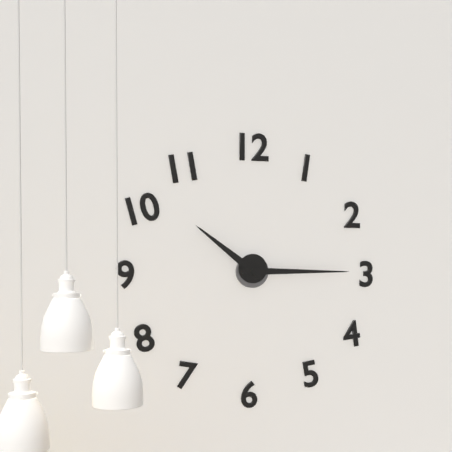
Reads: 10:15
